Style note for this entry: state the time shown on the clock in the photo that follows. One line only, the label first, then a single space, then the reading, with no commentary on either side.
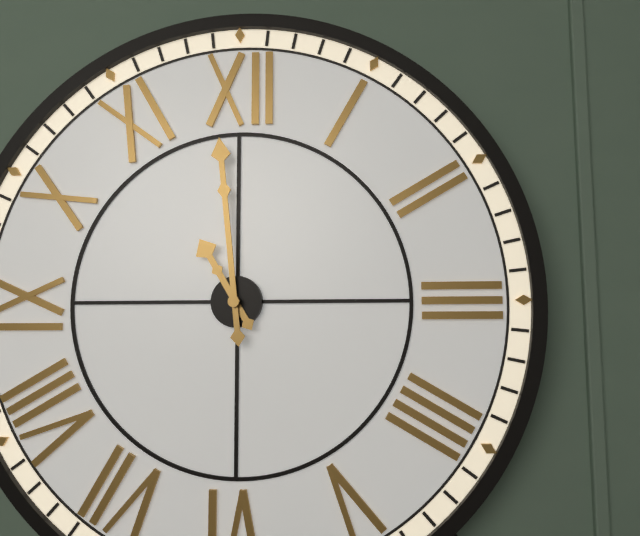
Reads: 10:59
